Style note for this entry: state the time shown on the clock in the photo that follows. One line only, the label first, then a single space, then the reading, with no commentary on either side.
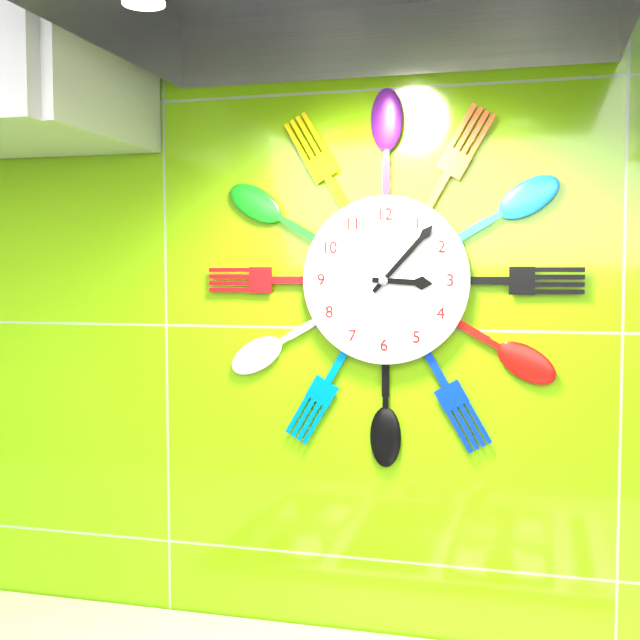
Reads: 3:07
